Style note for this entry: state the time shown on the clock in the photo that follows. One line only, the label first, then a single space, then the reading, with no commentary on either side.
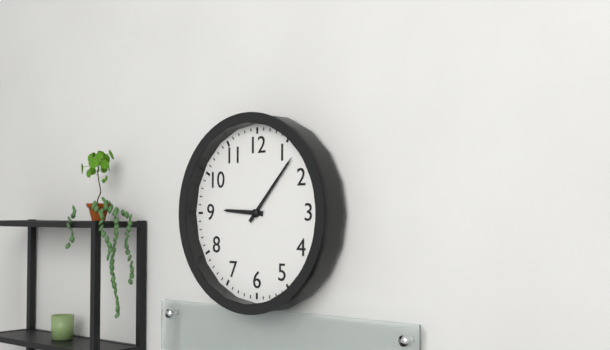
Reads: 9:07
